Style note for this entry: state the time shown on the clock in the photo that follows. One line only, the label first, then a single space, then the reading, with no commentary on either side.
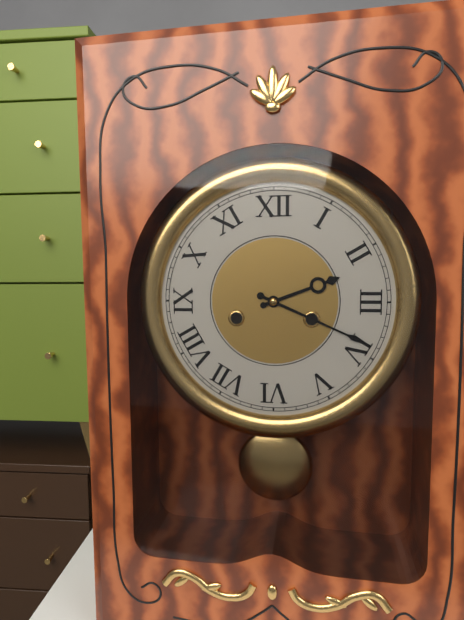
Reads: 2:19
